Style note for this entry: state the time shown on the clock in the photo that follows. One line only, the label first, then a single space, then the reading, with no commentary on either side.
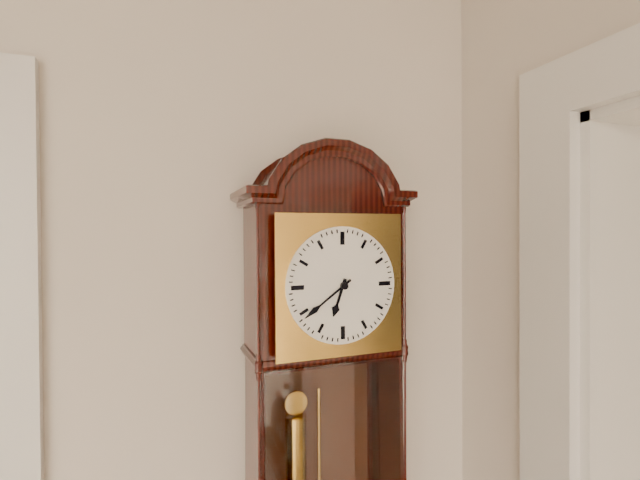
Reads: 6:39
